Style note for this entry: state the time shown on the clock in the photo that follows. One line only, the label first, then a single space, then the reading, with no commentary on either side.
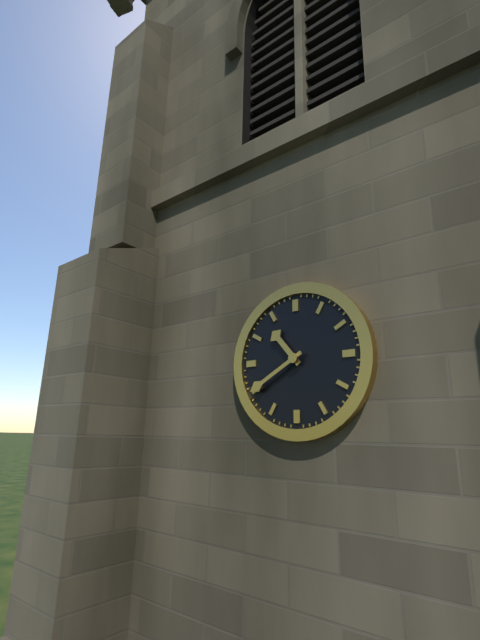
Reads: 10:40
